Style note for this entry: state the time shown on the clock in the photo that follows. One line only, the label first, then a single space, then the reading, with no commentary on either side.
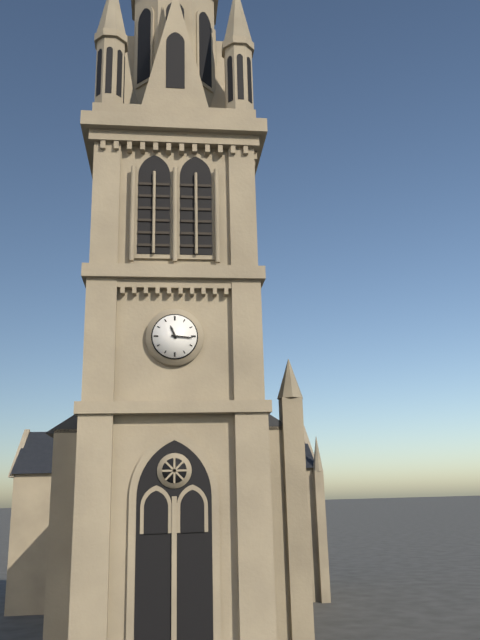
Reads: 11:16
